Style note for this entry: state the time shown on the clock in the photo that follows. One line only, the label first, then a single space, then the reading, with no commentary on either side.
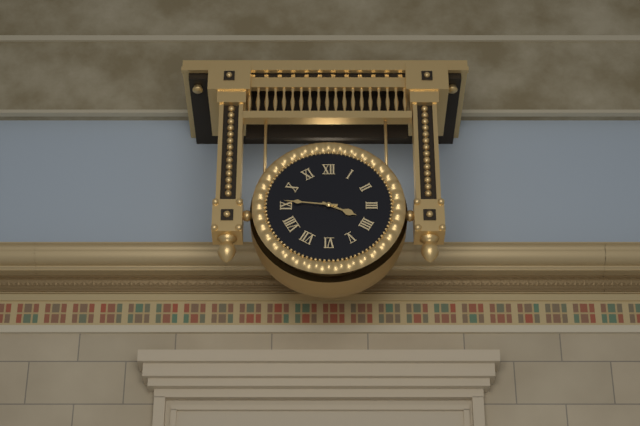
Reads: 3:46
